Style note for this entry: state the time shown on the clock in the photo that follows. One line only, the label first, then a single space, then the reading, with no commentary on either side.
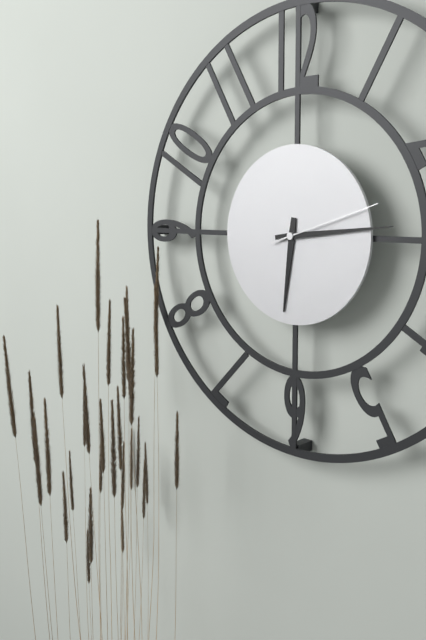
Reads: 6:14:12
